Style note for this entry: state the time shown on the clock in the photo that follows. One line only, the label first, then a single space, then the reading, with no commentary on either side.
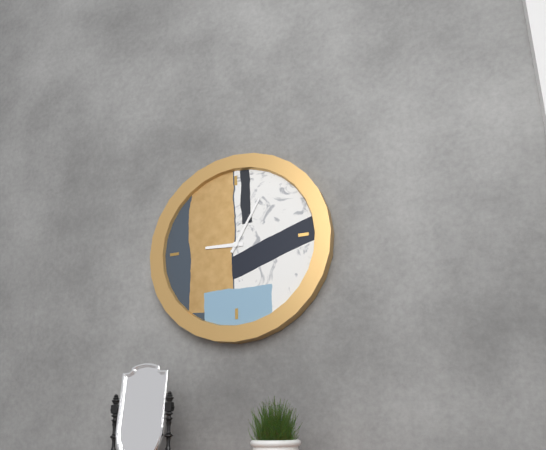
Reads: 9:05
